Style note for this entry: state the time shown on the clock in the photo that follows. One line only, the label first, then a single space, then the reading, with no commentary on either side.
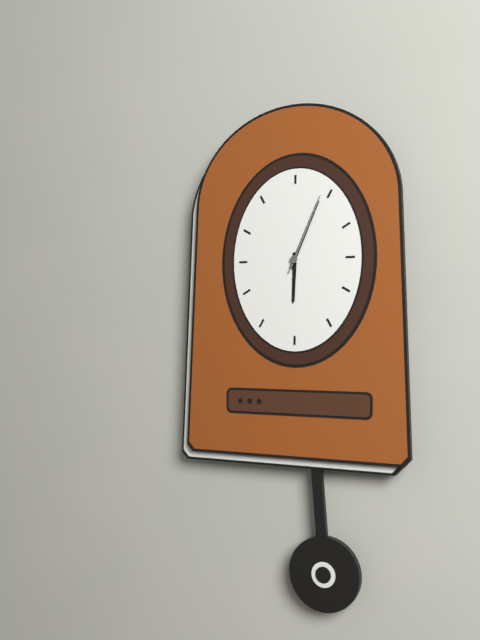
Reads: 6:04:04
